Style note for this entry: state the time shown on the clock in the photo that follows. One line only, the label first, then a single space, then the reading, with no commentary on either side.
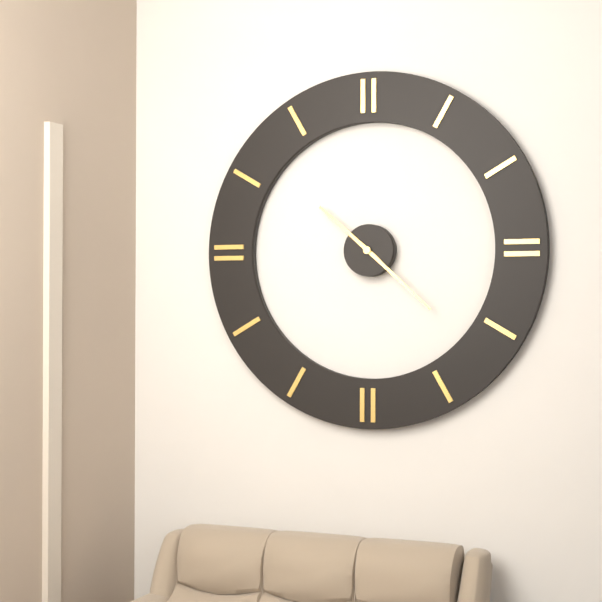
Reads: 10:22
